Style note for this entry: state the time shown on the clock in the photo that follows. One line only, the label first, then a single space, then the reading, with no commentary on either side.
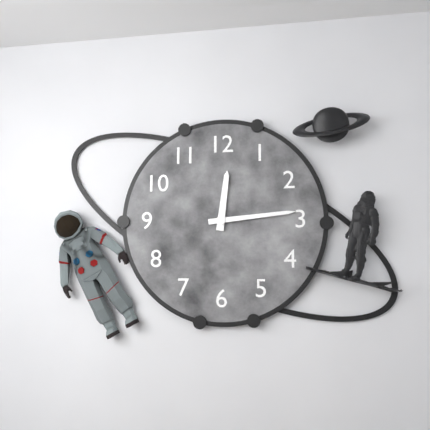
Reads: 12:14
